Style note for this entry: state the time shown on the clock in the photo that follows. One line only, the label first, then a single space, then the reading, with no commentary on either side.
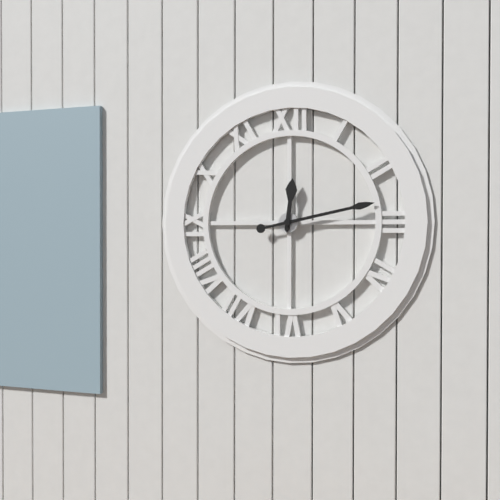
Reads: 12:13
